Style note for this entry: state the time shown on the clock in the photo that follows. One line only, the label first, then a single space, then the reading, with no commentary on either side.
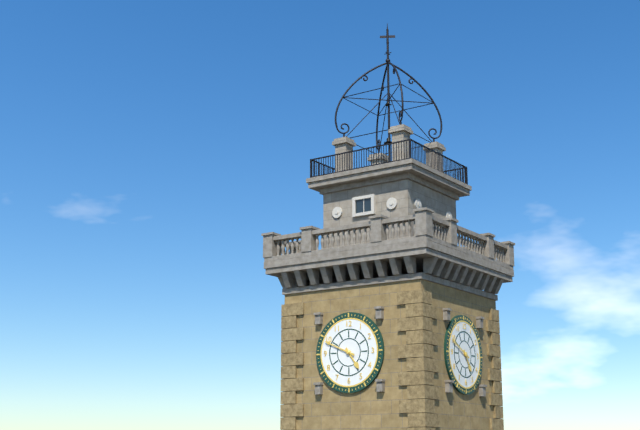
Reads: 4:49
